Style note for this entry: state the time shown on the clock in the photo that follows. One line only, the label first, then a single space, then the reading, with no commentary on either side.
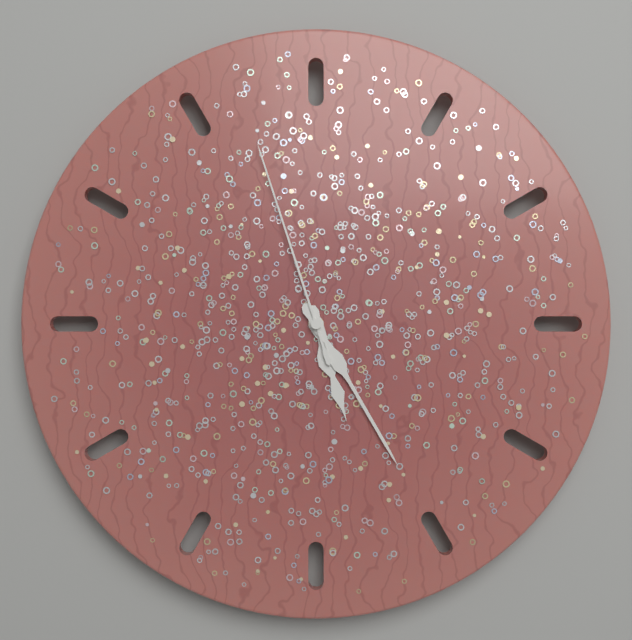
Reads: 5:25:57
